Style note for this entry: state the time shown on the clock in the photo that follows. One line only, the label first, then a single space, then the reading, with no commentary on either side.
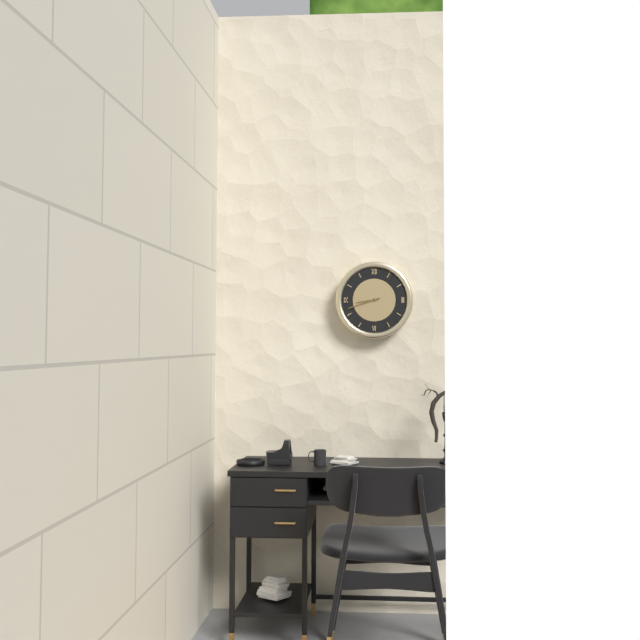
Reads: 8:42
